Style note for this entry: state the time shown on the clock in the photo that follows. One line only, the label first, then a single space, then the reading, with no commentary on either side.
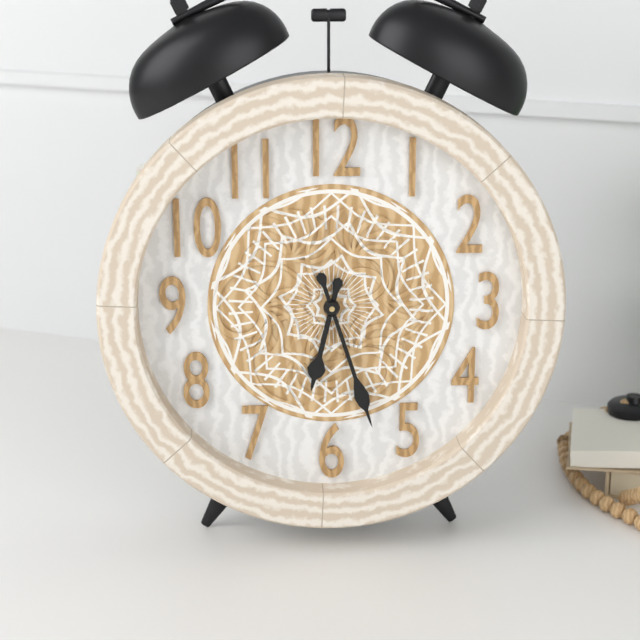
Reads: 6:27
